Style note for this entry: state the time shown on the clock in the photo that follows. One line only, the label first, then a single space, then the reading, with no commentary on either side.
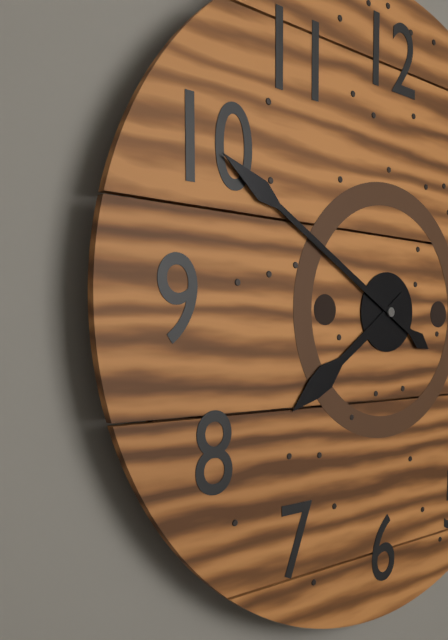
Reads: 7:50
